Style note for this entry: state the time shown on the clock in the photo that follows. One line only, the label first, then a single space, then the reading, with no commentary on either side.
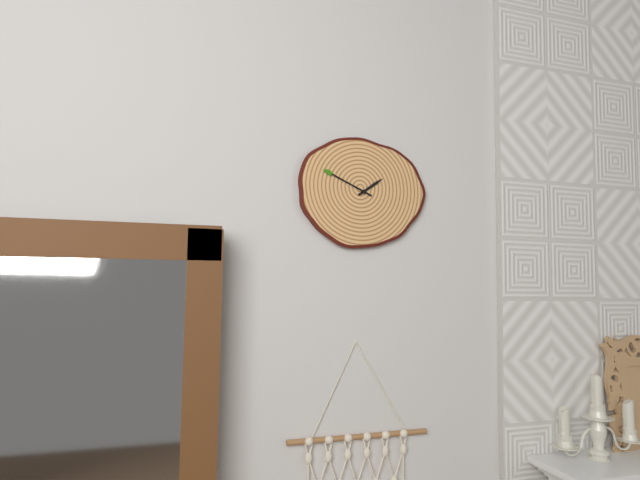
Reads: 1:49
